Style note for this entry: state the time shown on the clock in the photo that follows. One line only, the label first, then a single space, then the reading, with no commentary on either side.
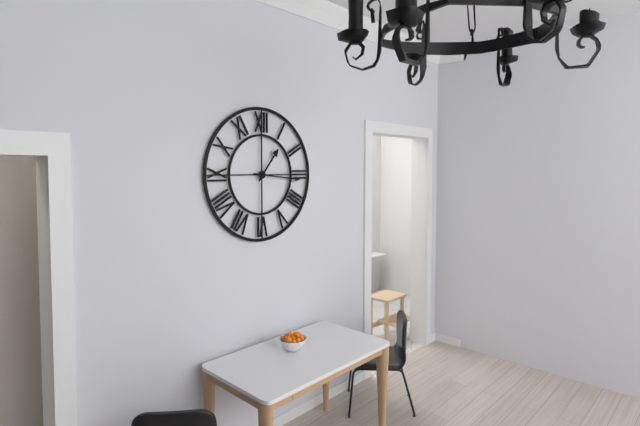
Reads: 1:16
